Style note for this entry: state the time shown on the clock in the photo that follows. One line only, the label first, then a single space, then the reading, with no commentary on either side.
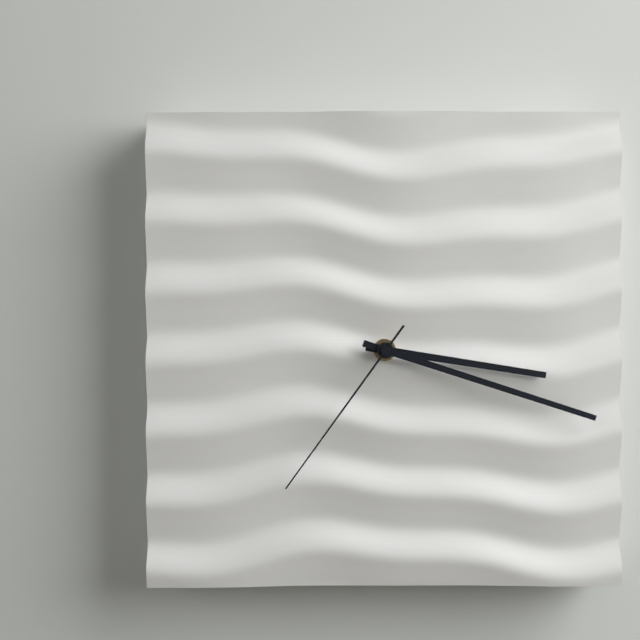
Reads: 3:18:36
